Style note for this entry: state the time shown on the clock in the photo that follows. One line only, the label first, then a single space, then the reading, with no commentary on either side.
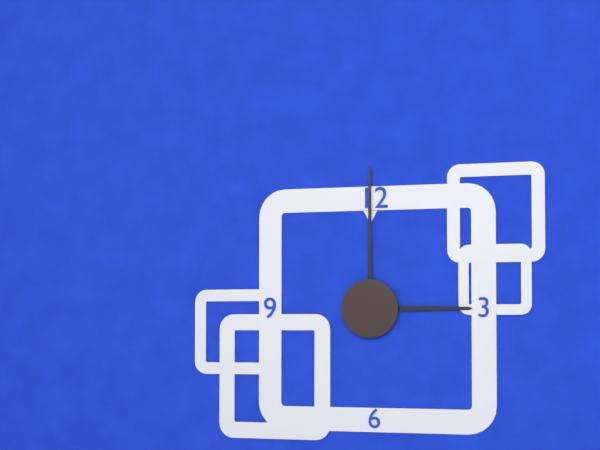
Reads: 3:00
